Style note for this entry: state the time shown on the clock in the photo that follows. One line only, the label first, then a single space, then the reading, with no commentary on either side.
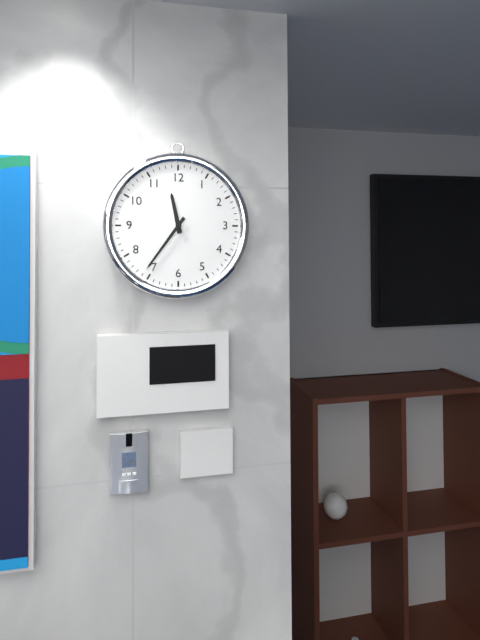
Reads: 11:36
